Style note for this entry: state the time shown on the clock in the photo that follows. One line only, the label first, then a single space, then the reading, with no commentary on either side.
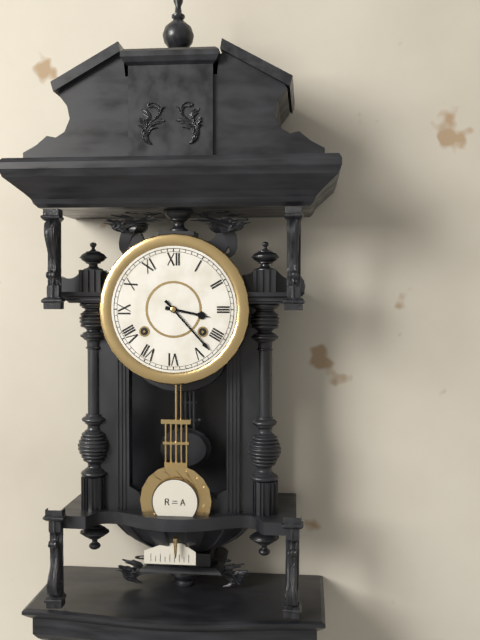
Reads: 3:23
